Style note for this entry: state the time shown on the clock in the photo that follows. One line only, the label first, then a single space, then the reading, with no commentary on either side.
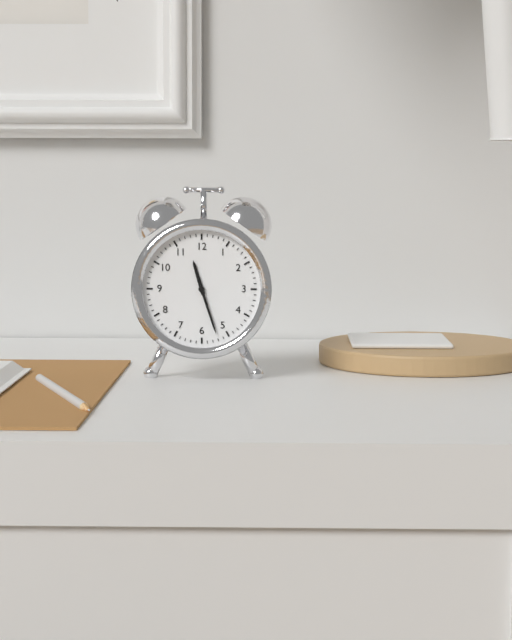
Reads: 11:27
